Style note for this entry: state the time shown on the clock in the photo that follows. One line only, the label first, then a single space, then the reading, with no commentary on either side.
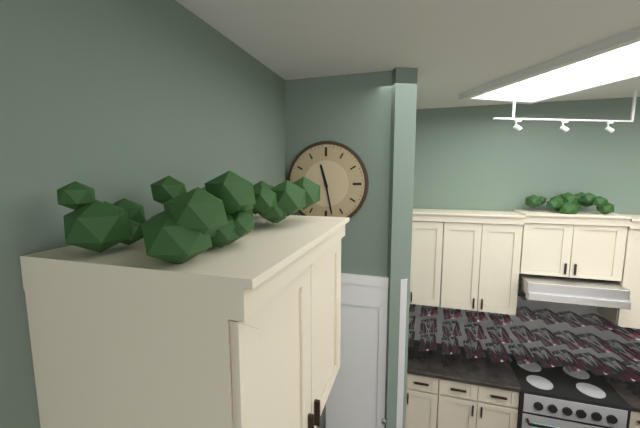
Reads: 11:28
